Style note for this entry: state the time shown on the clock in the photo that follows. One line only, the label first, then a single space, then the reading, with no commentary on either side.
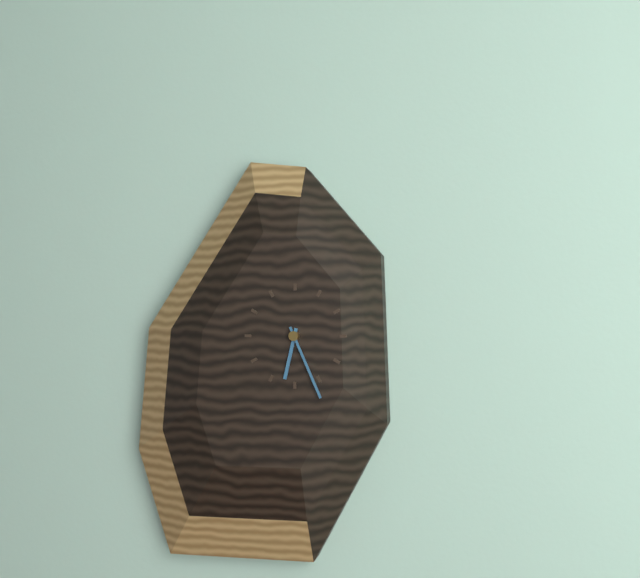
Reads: 6:26
